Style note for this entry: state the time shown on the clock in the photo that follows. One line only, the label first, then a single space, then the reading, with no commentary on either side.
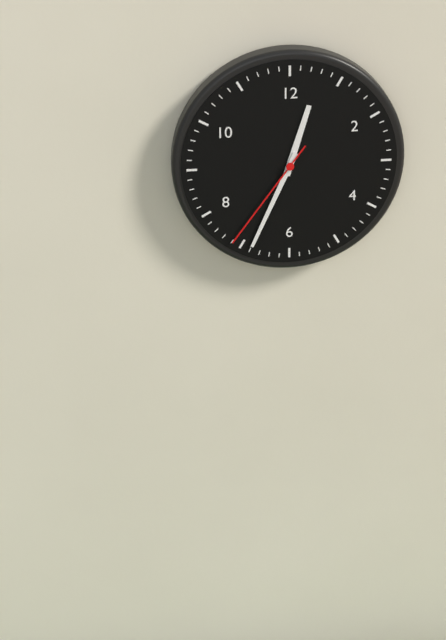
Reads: 12:34:36
